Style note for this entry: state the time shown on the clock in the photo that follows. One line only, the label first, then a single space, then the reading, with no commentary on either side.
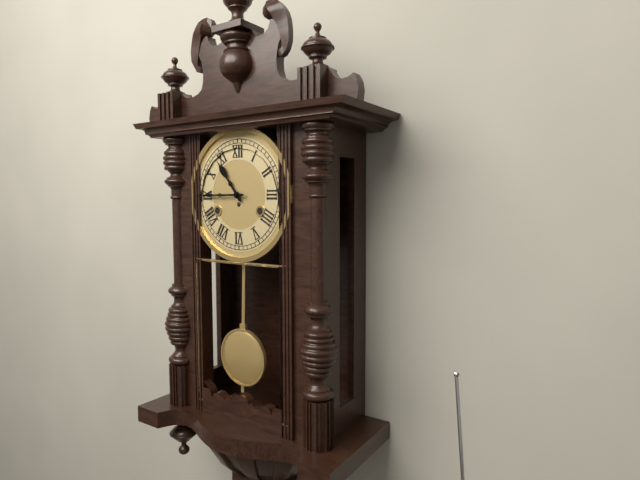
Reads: 10:45
